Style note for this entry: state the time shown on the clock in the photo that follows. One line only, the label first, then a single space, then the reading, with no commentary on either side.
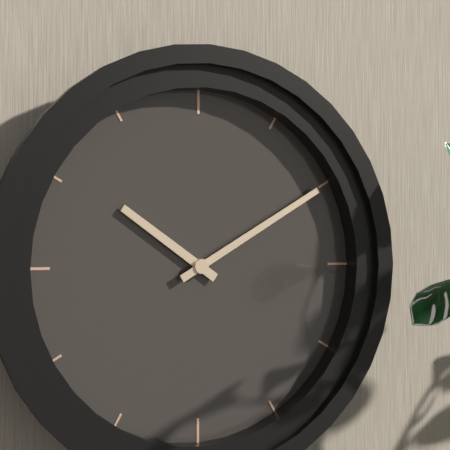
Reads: 10:10
